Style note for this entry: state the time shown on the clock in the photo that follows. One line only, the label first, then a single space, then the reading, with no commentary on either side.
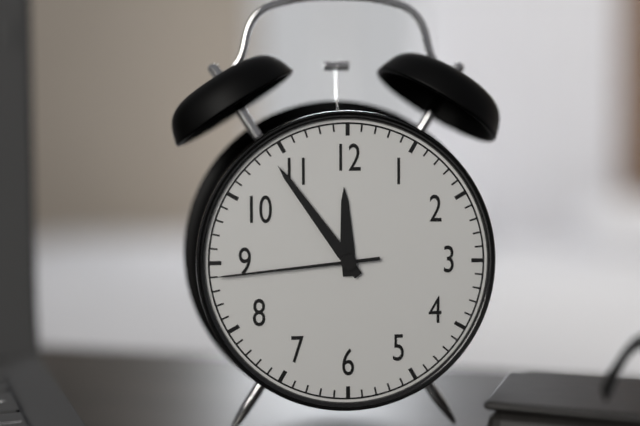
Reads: 11:54:44
